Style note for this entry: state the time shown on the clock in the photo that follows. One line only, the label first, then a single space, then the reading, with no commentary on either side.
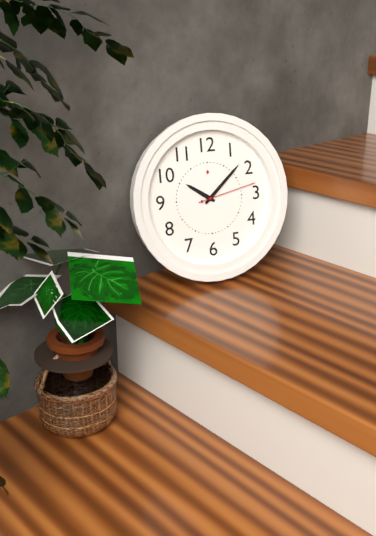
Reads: 10:08:13
